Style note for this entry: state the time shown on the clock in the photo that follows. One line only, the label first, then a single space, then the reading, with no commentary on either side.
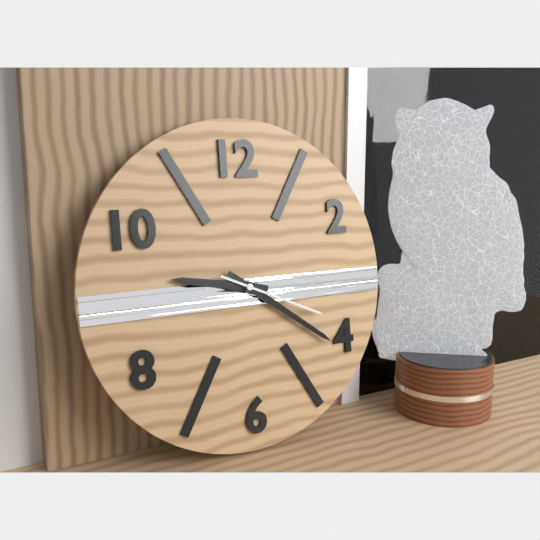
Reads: 9:21:19
